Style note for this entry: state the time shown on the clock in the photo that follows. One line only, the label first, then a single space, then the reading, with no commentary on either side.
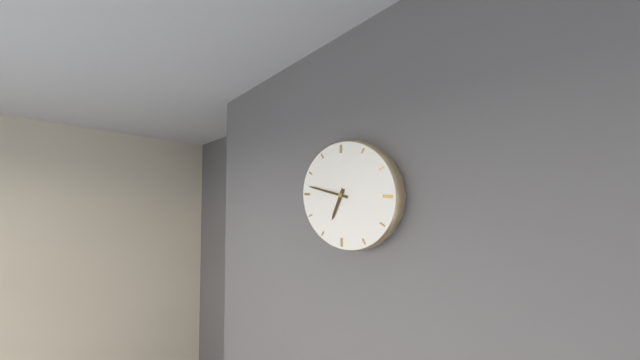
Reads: 6:47
